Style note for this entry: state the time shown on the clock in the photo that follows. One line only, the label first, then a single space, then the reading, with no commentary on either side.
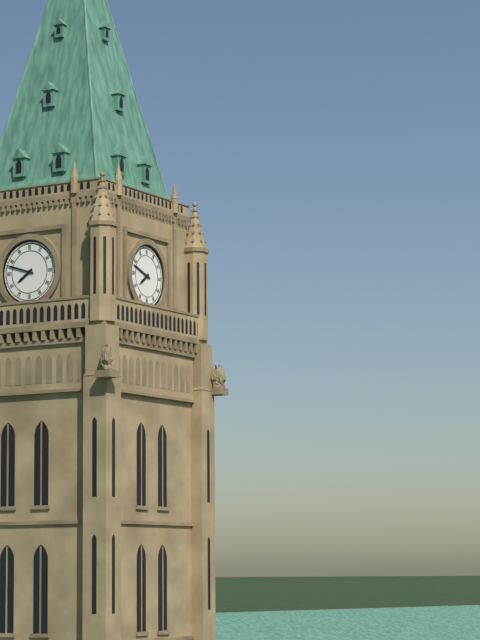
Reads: 7:48
